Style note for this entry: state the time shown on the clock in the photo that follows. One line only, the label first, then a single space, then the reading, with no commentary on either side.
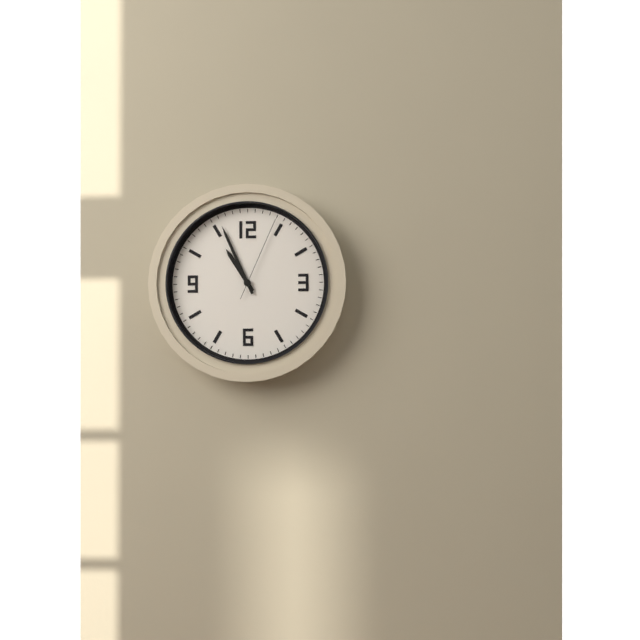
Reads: 10:56:04
